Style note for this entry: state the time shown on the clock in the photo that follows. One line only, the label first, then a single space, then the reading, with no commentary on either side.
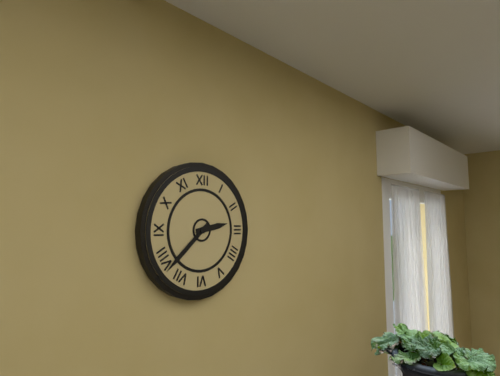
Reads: 2:38
